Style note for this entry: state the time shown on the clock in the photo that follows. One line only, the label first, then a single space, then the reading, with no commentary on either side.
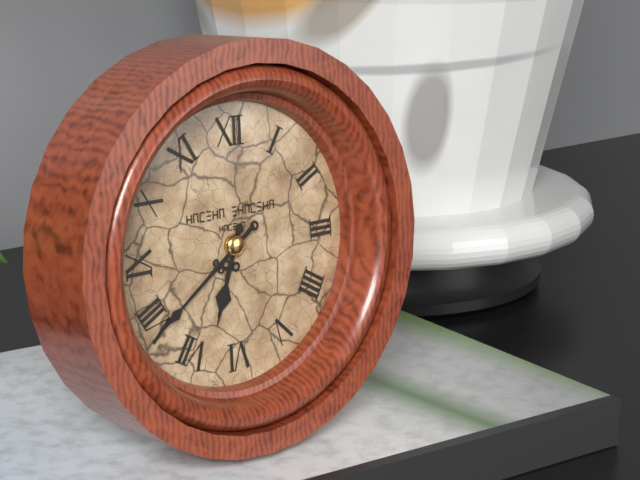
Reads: 6:39
